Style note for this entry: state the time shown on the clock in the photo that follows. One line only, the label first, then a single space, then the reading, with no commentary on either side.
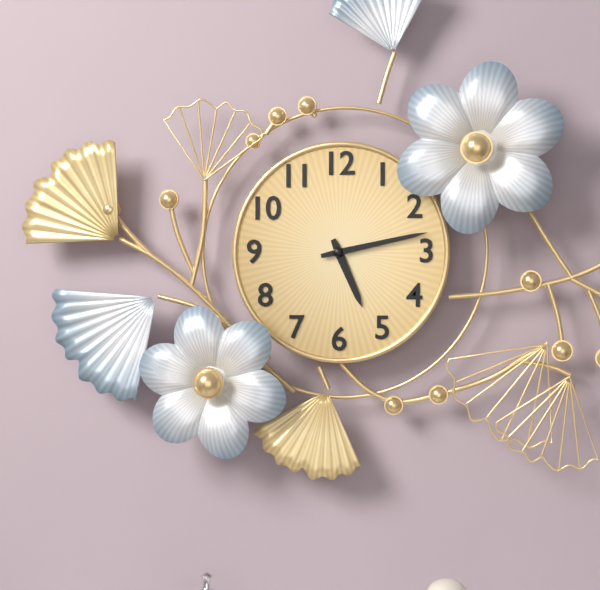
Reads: 5:13
